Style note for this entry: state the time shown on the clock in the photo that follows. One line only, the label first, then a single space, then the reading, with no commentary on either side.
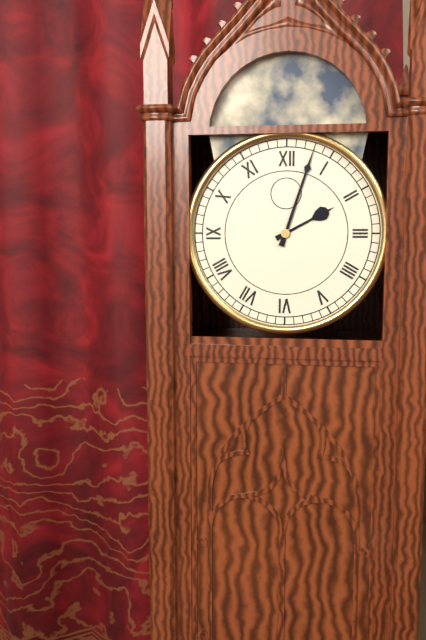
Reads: 2:03
